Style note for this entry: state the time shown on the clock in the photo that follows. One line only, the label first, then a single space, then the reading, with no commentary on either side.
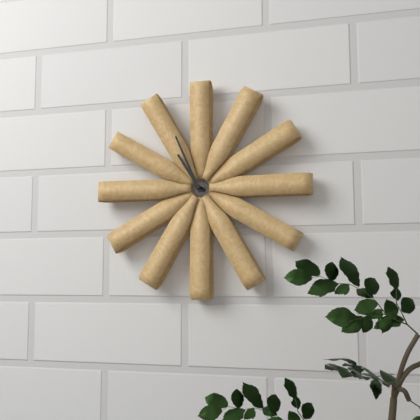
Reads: 10:56
